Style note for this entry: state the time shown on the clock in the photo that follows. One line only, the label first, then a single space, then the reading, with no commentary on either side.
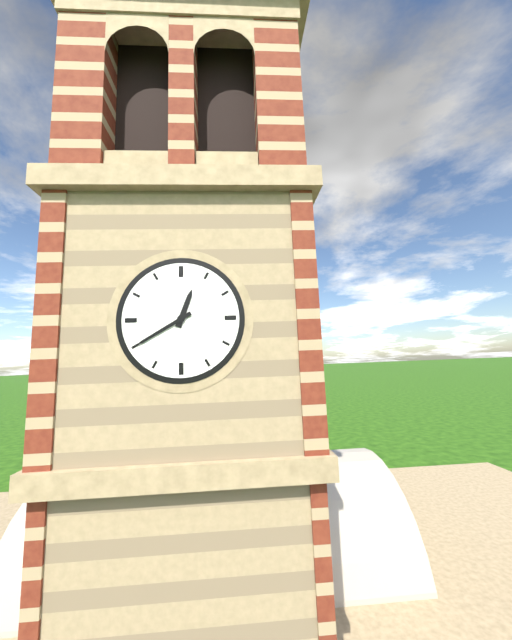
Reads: 12:40
